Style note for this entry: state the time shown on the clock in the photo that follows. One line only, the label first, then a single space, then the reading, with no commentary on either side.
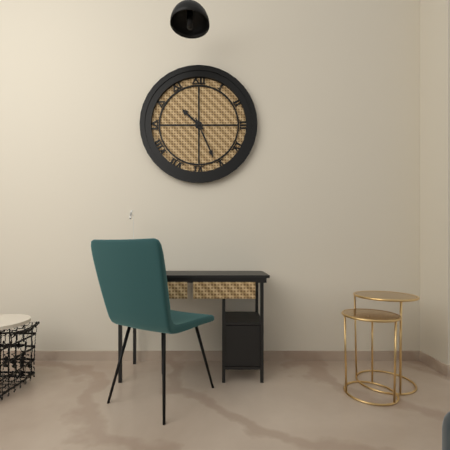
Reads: 10:26
